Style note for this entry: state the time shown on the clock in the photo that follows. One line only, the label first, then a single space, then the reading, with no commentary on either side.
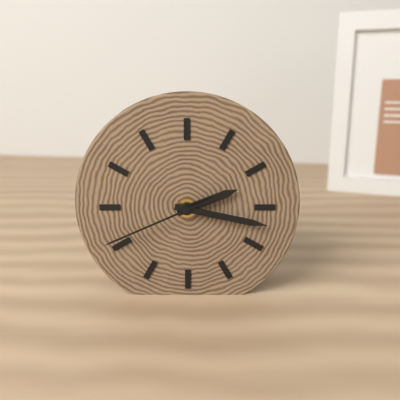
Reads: 2:17:41
